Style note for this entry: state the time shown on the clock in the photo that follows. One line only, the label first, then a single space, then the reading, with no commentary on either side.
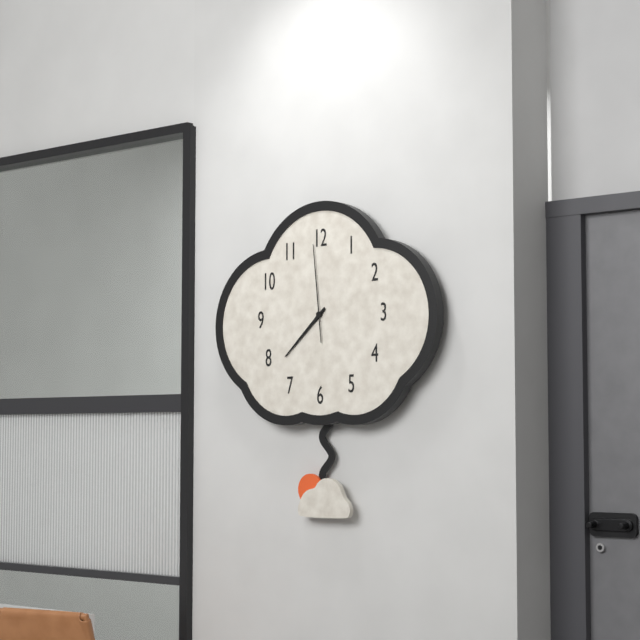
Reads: 7:38:59
